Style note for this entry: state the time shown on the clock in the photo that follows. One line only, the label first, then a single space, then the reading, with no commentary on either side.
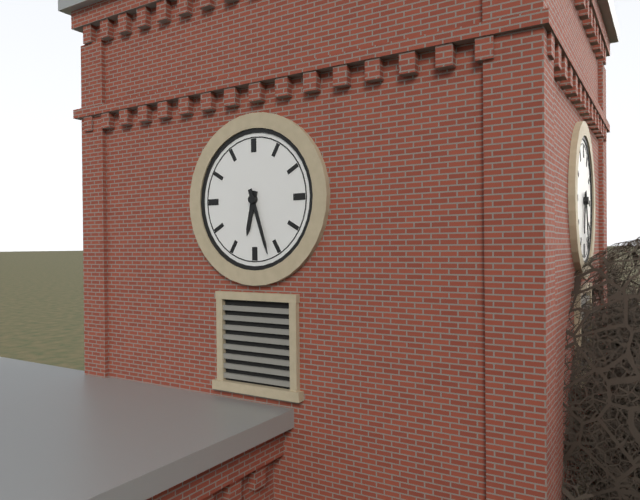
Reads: 6:27
